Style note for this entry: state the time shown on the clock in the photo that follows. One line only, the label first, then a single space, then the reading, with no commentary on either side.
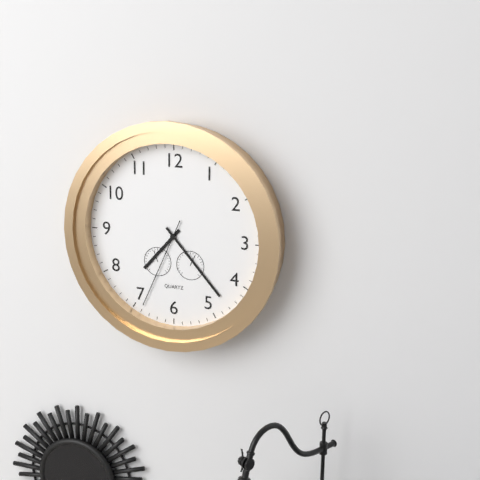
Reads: 7:23:34
